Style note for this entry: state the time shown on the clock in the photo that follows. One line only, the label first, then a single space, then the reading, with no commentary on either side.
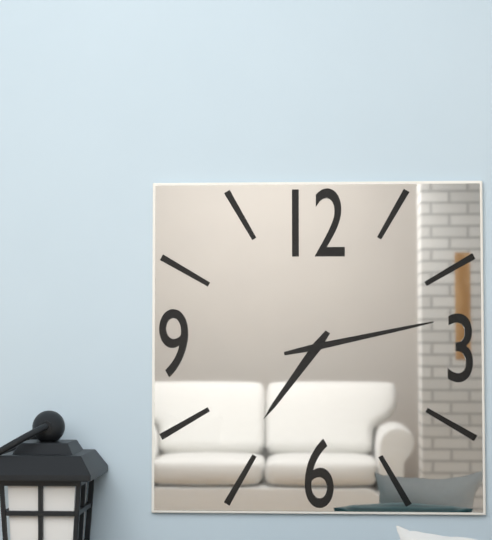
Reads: 7:13
